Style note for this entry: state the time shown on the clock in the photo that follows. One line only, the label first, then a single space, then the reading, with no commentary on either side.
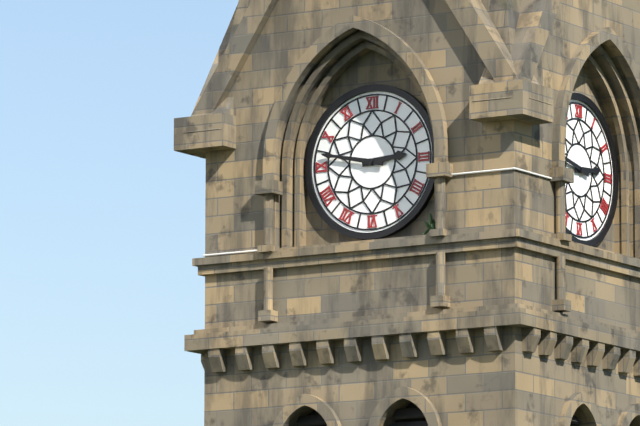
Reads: 2:47
